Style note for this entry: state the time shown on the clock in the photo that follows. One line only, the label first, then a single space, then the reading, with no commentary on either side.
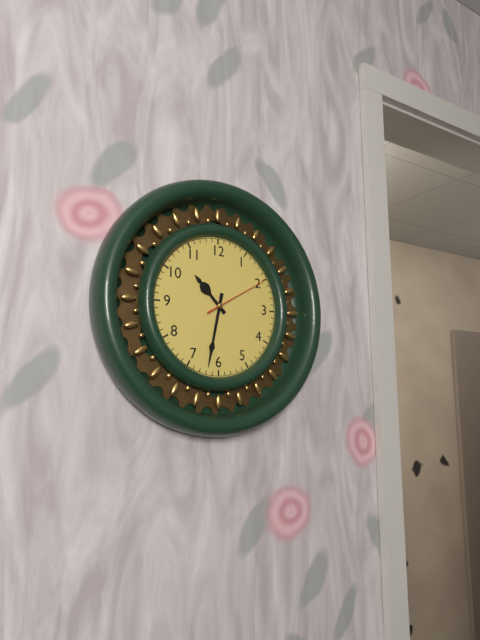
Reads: 10:32:10
